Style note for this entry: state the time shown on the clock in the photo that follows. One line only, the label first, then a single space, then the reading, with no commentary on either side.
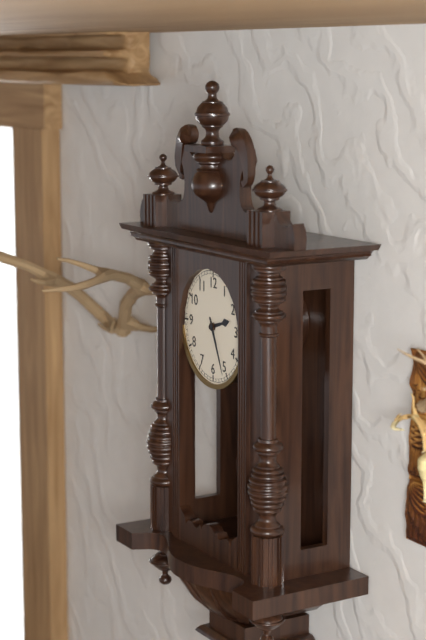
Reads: 2:26
